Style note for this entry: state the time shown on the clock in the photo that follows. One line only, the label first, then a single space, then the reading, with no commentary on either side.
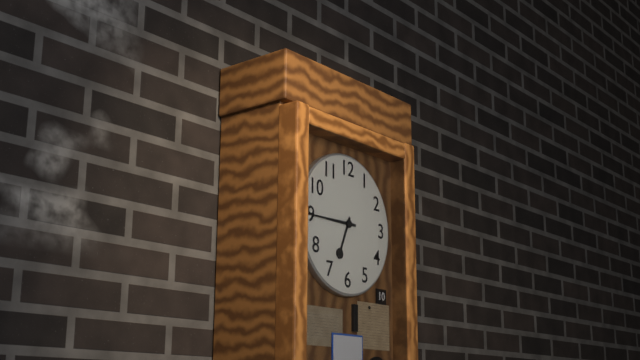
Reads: 6:45
